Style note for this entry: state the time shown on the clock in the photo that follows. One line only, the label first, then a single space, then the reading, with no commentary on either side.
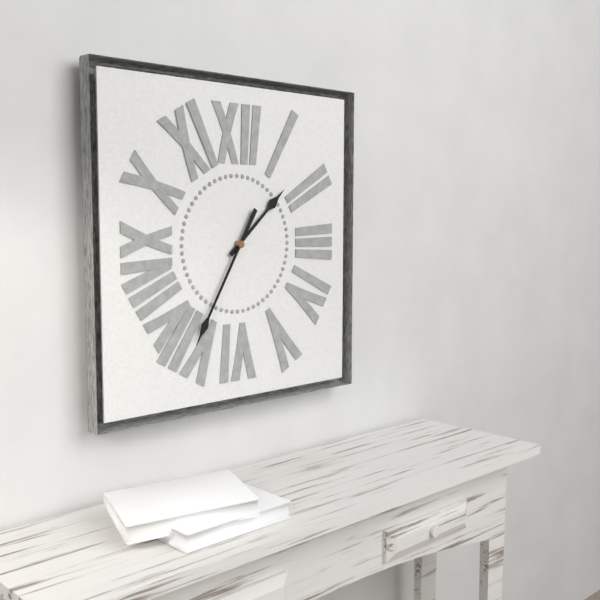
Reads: 1:35
